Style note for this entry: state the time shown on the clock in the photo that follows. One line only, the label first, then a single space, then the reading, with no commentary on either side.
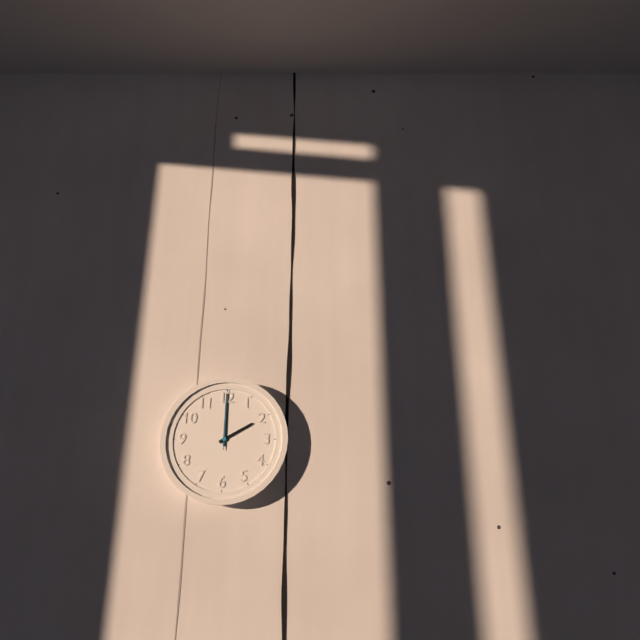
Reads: 2:00:00
